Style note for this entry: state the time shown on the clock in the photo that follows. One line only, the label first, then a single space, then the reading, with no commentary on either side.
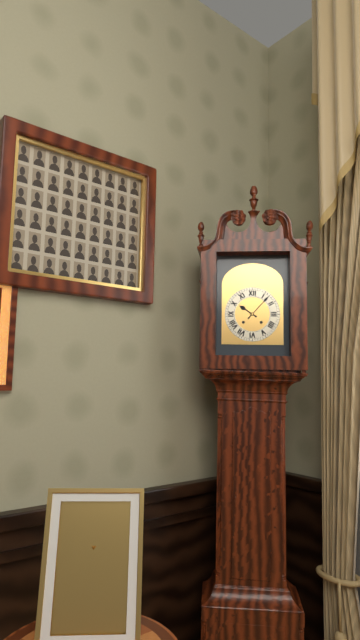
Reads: 10:07
